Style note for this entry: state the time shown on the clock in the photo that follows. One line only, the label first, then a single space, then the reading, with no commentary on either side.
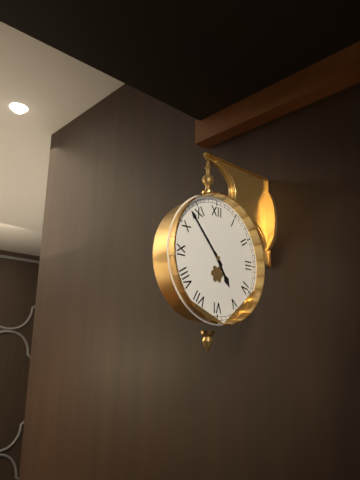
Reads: 4:53
